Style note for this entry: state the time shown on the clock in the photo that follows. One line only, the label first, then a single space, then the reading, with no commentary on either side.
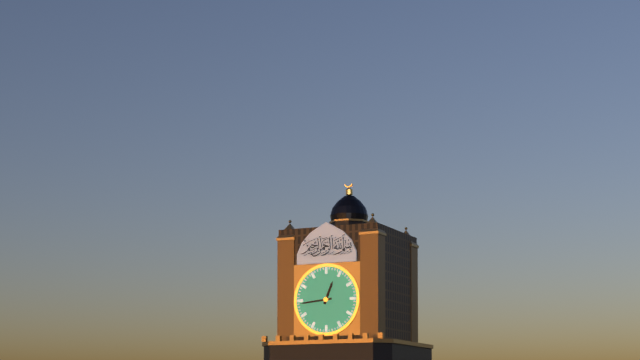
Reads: 12:44
